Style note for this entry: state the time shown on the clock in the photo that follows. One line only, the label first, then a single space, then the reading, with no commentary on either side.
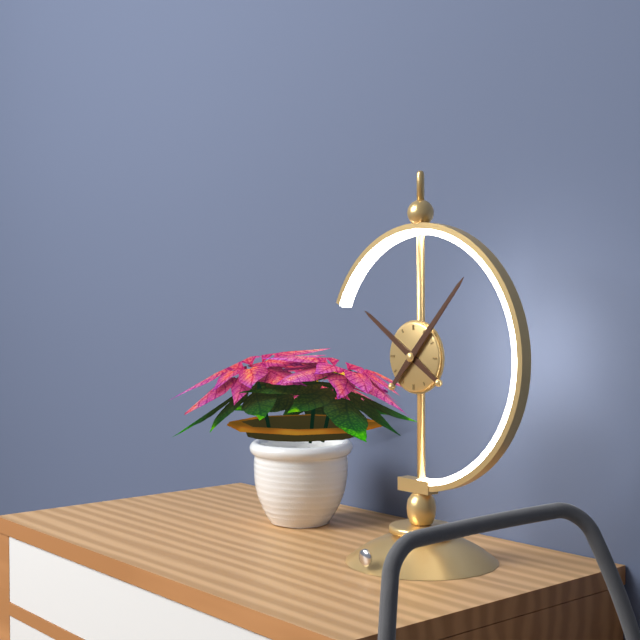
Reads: 10:07
